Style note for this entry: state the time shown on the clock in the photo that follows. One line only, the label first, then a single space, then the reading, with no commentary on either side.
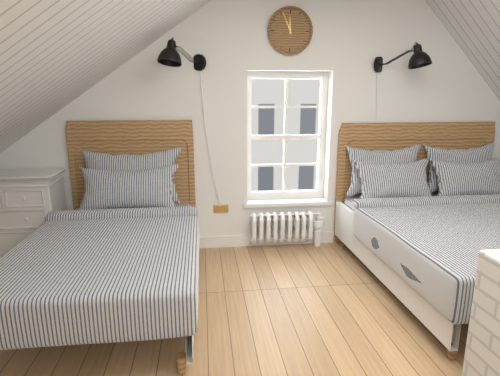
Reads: 11:56
